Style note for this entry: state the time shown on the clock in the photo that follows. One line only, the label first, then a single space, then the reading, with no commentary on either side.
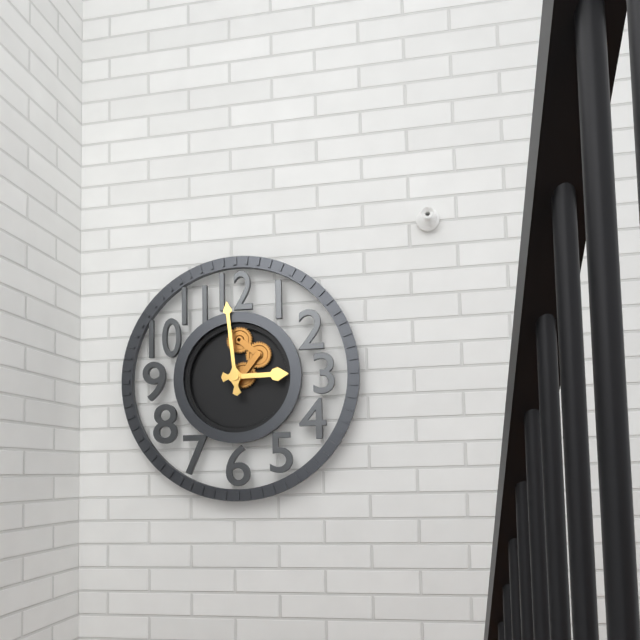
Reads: 2:59
